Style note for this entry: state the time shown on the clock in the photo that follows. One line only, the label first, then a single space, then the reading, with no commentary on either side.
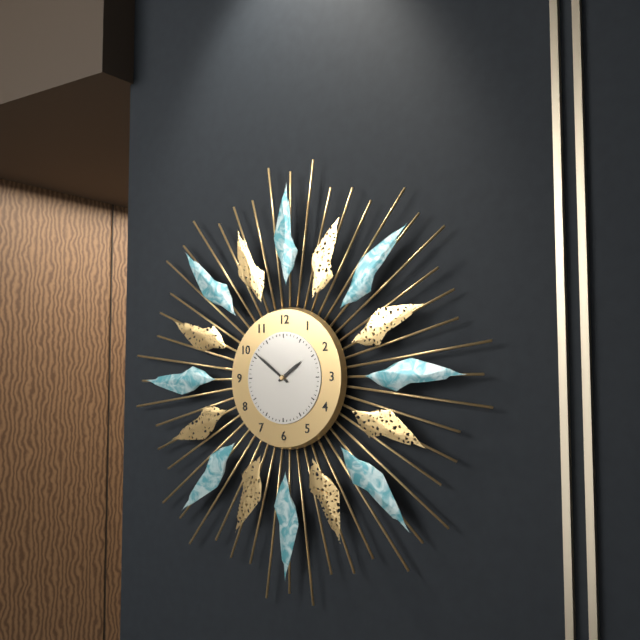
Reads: 1:51
